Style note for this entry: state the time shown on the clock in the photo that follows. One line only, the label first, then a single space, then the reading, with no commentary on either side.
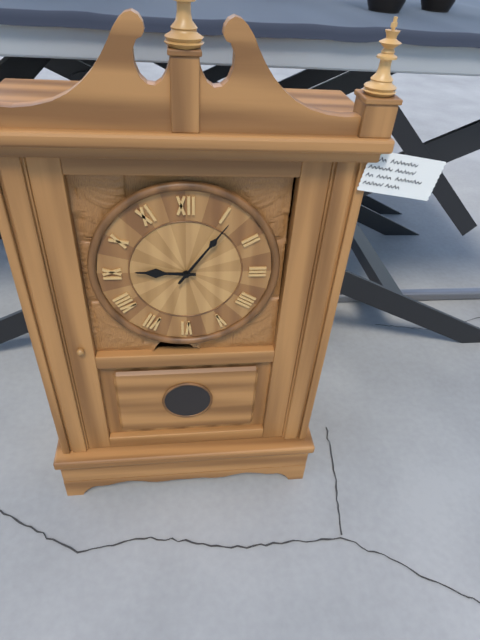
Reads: 9:06
